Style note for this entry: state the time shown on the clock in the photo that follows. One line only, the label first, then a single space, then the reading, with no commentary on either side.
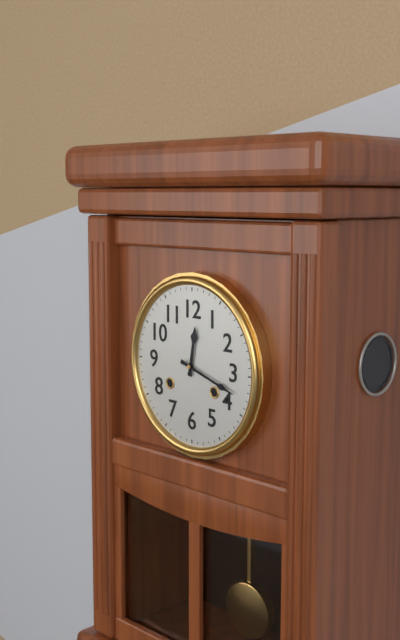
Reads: 12:18
